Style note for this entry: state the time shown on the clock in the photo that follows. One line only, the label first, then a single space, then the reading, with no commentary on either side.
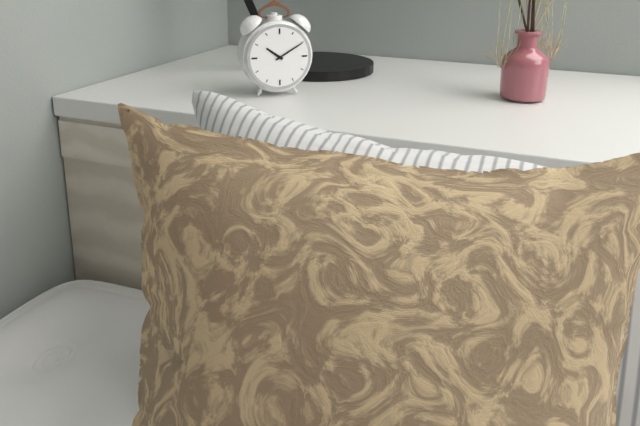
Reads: 10:10
